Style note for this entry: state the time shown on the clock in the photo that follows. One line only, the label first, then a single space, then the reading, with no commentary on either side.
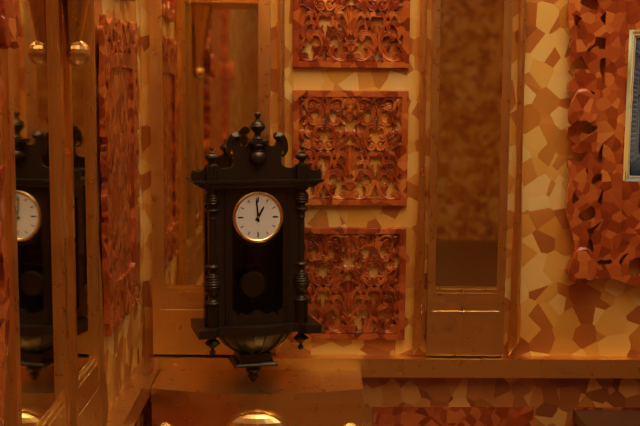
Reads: 12:59
